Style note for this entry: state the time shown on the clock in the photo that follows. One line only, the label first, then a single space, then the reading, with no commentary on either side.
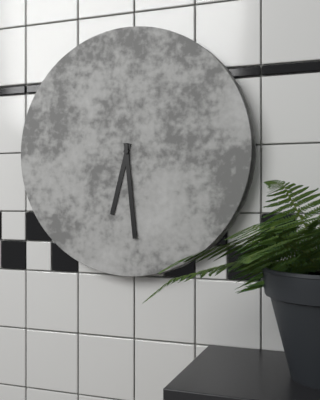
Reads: 6:29
